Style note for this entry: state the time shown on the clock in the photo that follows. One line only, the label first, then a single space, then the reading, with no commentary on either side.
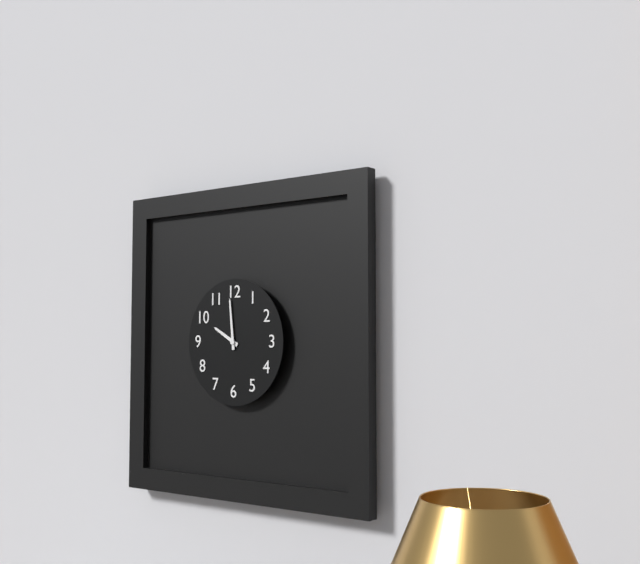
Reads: 9:59
